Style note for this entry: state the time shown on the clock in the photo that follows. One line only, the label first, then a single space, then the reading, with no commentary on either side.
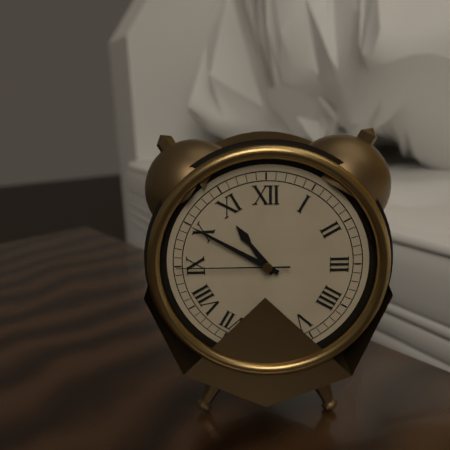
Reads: 10:50:45
